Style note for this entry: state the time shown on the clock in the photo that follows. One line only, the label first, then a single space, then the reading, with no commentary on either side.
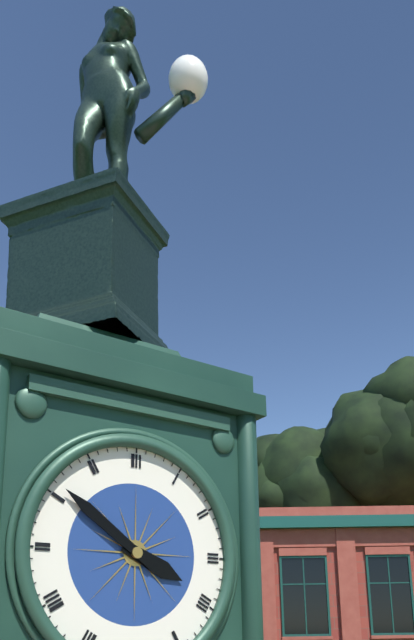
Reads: 3:51
